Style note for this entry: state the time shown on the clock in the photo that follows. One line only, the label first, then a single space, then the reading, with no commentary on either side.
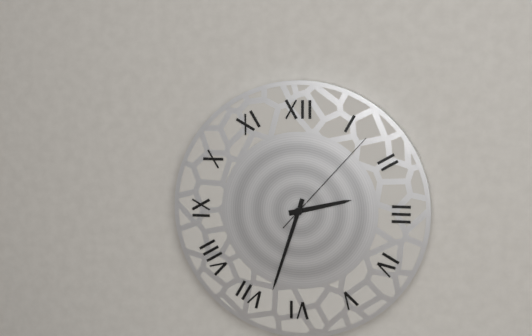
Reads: 2:33:07
